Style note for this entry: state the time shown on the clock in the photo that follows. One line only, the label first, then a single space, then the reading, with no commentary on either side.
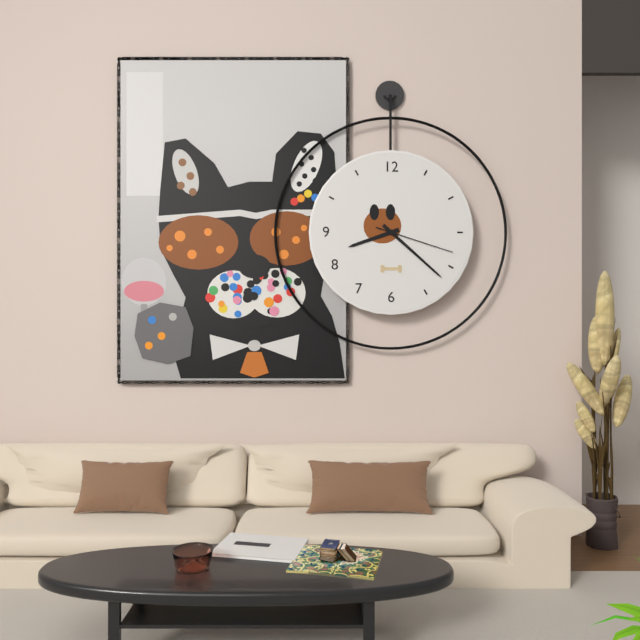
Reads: 8:22:18
